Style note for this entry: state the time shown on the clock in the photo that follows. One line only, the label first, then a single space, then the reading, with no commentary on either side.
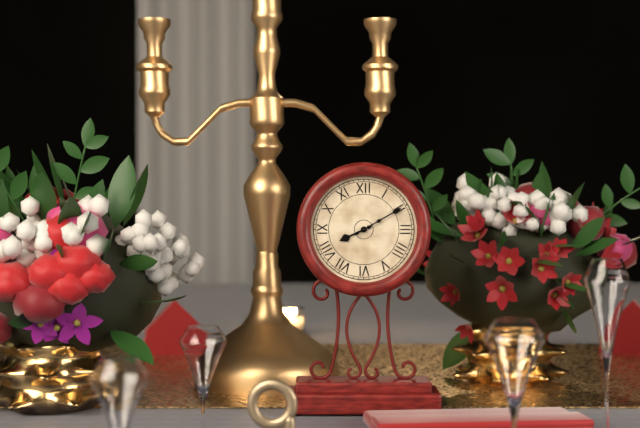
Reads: 8:10
